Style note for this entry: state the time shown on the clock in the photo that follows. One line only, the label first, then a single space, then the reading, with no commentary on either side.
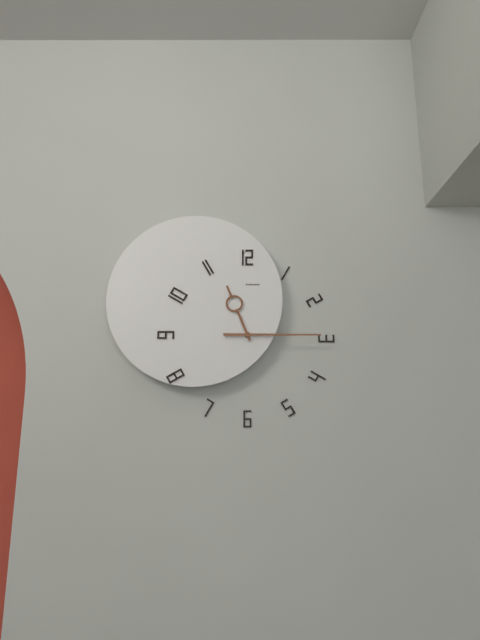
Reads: 11:15
